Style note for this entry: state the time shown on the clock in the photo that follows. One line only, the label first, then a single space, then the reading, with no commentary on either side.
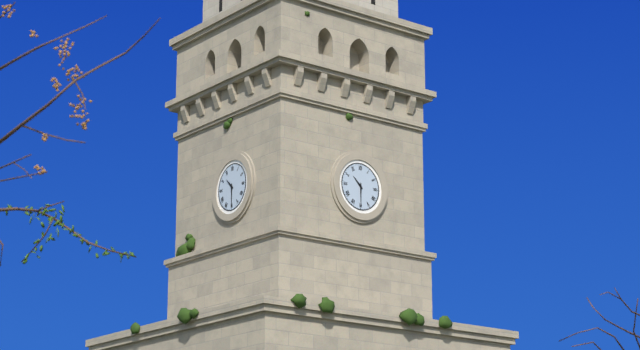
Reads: 10:30
